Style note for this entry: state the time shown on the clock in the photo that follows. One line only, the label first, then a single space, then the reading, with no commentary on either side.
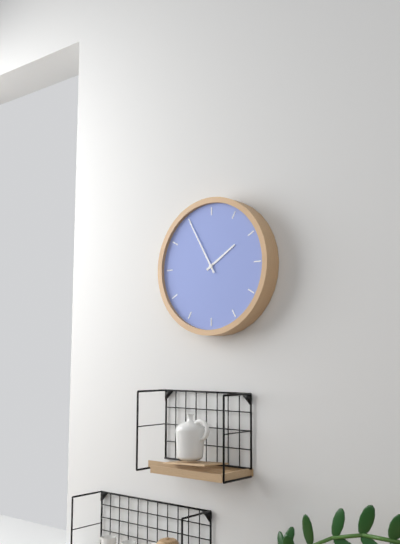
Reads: 1:55
